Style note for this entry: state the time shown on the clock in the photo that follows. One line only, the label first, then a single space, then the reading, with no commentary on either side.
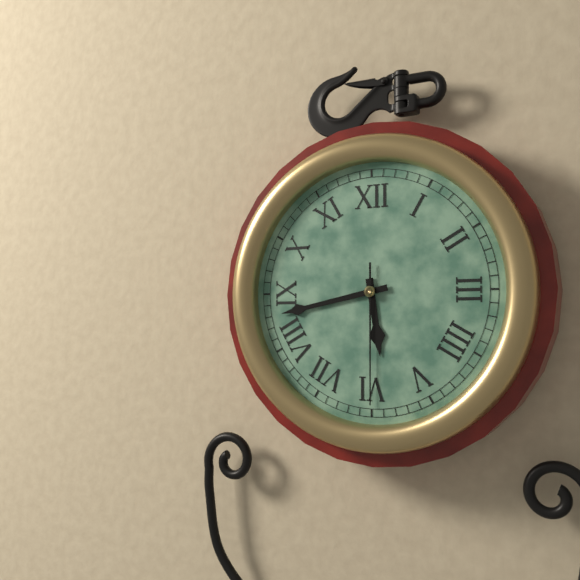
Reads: 5:43:30
